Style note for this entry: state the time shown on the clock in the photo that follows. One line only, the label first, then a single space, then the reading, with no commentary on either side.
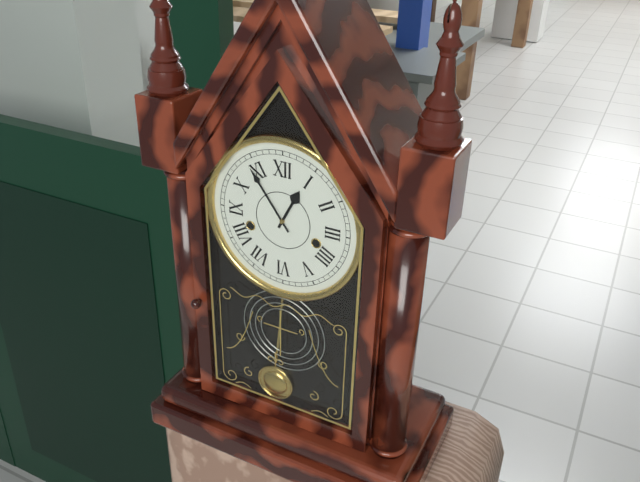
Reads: 12:54
